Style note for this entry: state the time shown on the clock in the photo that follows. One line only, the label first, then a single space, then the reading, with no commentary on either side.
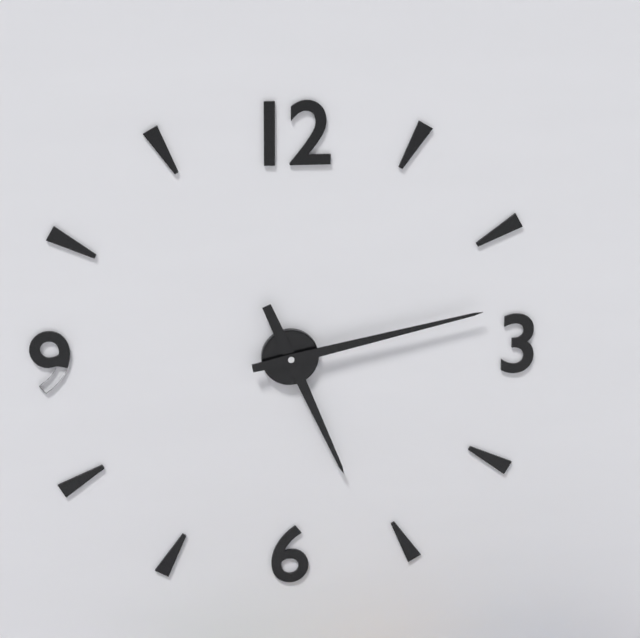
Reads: 5:13
